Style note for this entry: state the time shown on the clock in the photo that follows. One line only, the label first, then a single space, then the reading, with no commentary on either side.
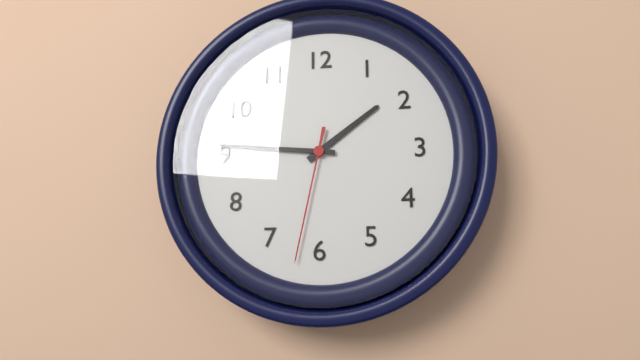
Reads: 1:46:32
